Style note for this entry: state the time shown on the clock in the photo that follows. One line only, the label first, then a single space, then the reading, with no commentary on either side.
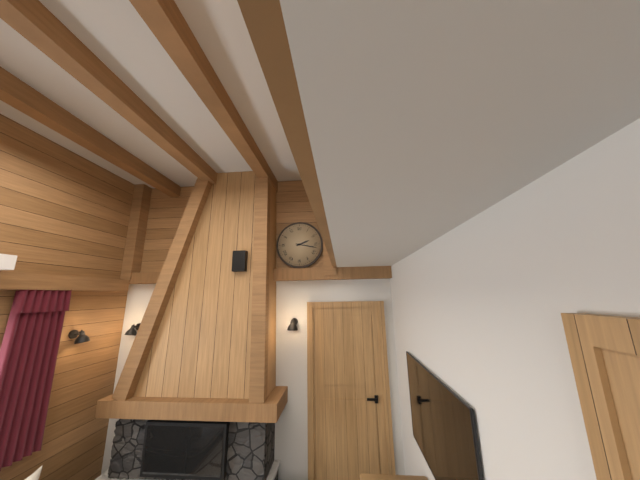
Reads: 2:17
